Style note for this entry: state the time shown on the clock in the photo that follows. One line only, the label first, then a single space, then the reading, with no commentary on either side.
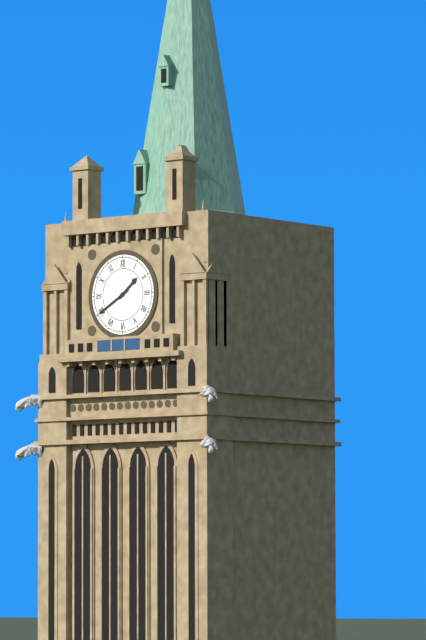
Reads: 1:40
